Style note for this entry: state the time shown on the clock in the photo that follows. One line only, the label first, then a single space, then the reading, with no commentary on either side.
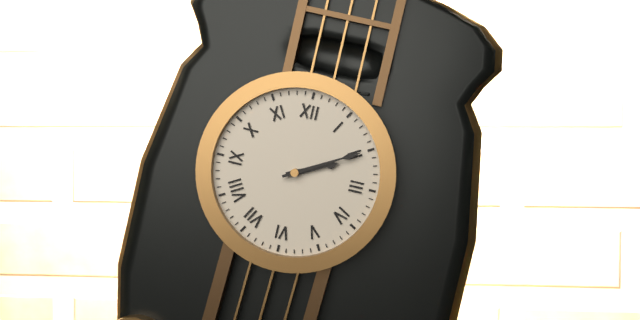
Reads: 2:10
